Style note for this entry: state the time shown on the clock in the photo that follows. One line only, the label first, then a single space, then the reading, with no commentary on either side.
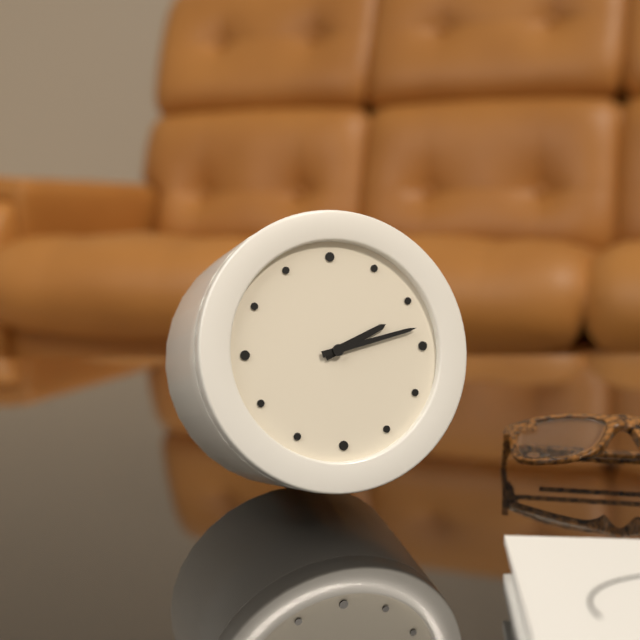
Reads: 2:13
